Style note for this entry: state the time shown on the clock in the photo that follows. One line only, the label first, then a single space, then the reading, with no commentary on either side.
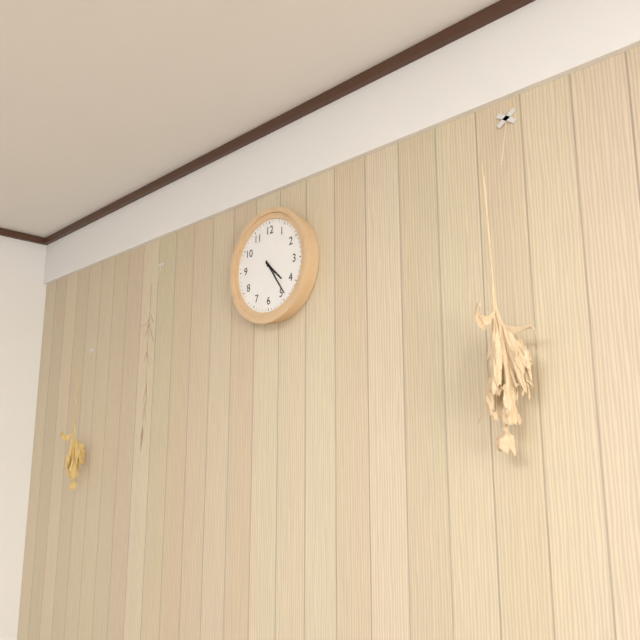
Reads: 4:24
